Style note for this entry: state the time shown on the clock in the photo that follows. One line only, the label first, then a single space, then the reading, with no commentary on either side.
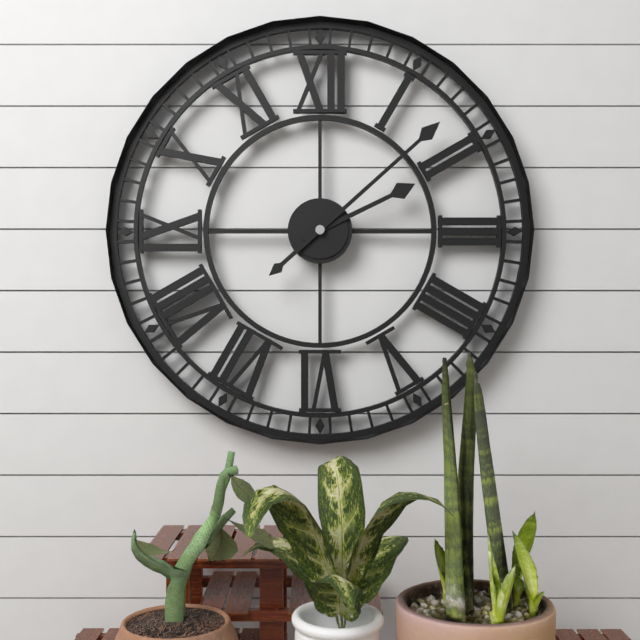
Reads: 2:08
